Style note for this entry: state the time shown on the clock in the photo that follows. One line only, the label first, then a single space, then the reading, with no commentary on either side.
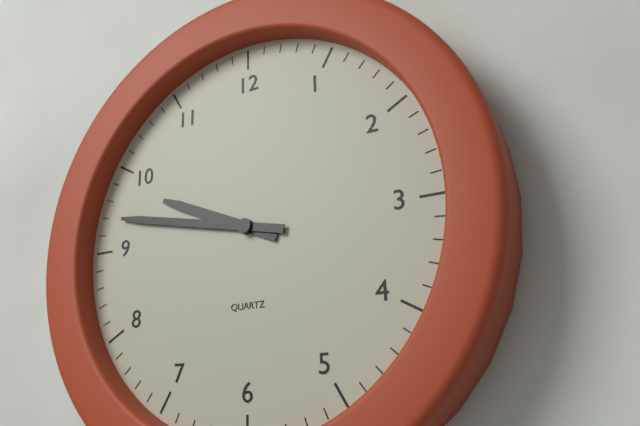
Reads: 9:47
